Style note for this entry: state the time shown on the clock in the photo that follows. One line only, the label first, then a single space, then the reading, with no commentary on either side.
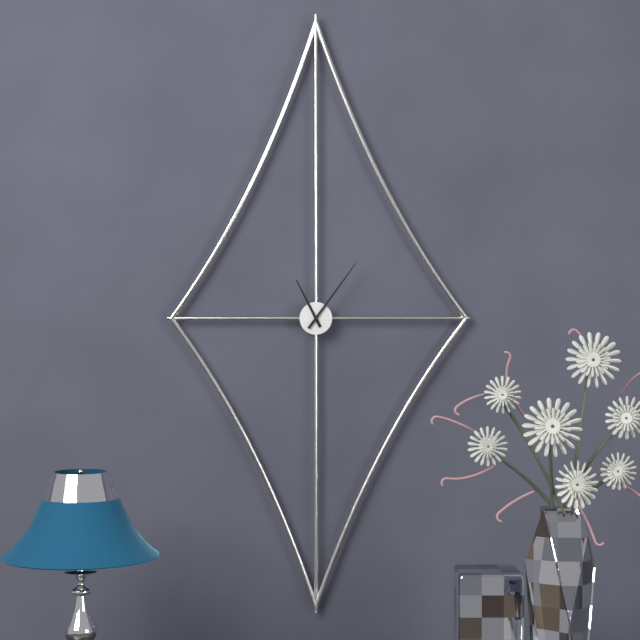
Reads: 11:06
